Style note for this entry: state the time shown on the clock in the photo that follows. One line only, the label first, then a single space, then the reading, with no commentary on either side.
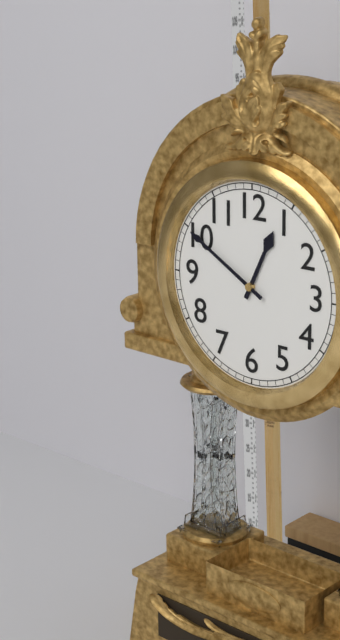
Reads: 12:50
